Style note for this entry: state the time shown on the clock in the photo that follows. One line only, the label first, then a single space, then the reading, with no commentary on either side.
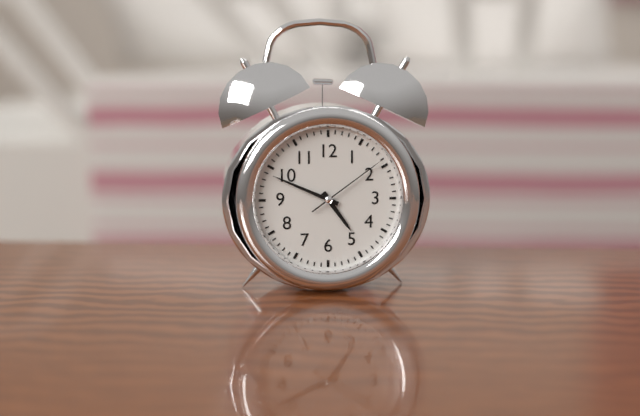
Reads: 4:49:09
